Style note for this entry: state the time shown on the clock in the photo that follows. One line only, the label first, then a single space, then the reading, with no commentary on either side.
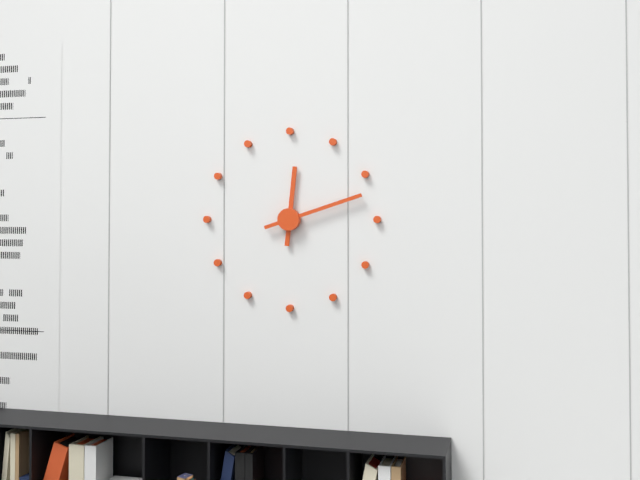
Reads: 12:12
